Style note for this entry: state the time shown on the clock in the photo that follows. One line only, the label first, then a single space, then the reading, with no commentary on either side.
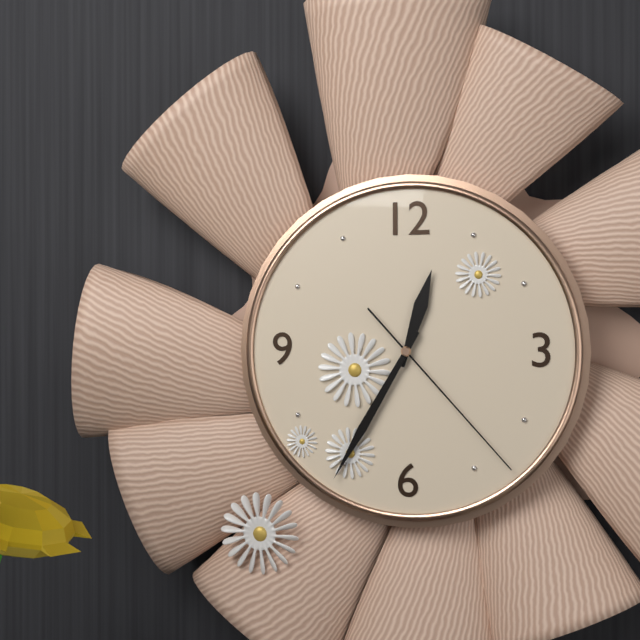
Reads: 12:35:23
